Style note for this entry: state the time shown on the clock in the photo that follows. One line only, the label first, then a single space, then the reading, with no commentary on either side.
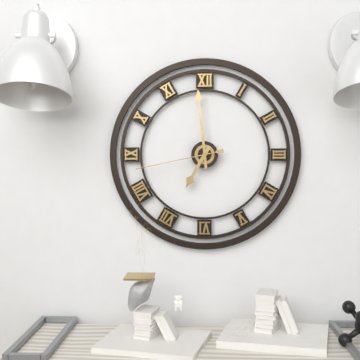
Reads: 6:59:43
